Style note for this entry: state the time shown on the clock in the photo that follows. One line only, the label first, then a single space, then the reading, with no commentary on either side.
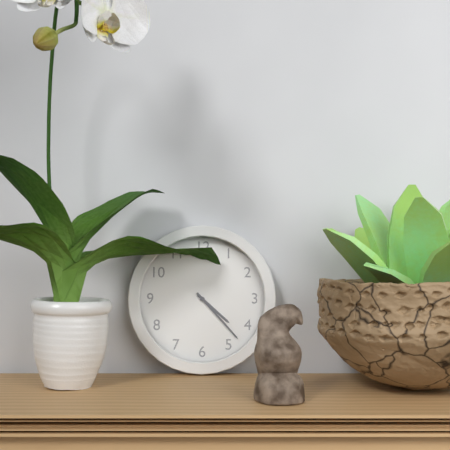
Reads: 4:23
